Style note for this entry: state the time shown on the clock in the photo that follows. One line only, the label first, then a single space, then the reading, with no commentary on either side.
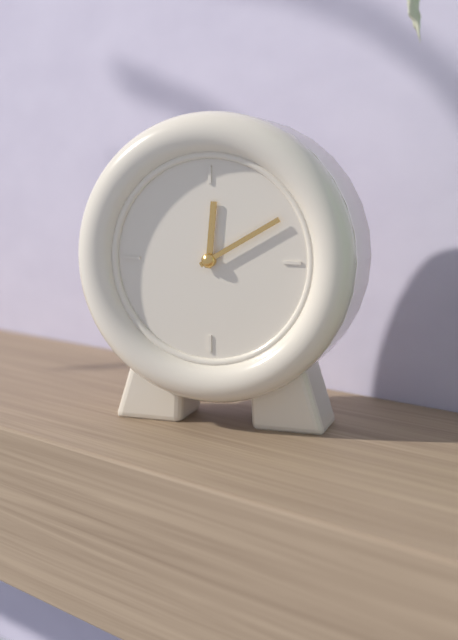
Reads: 12:10
